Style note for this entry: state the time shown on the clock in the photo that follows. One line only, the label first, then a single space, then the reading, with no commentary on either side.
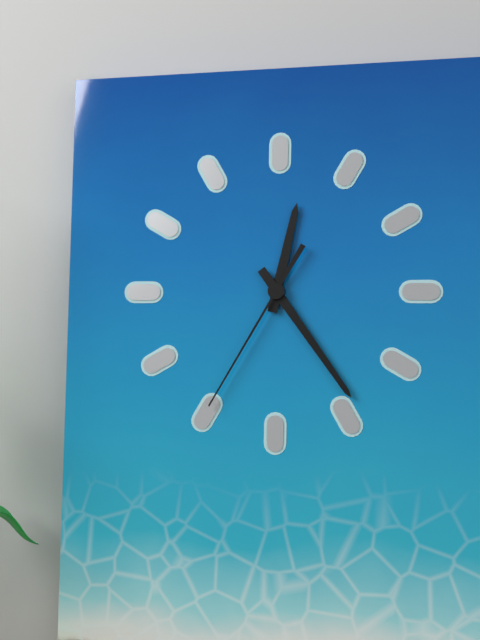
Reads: 12:24:35
